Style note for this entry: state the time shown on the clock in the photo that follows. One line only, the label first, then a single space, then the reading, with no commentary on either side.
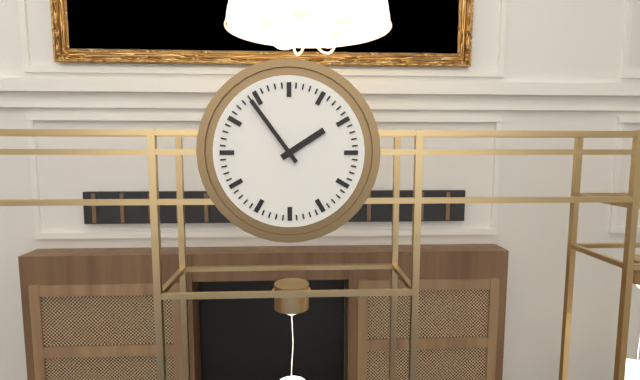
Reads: 1:54
